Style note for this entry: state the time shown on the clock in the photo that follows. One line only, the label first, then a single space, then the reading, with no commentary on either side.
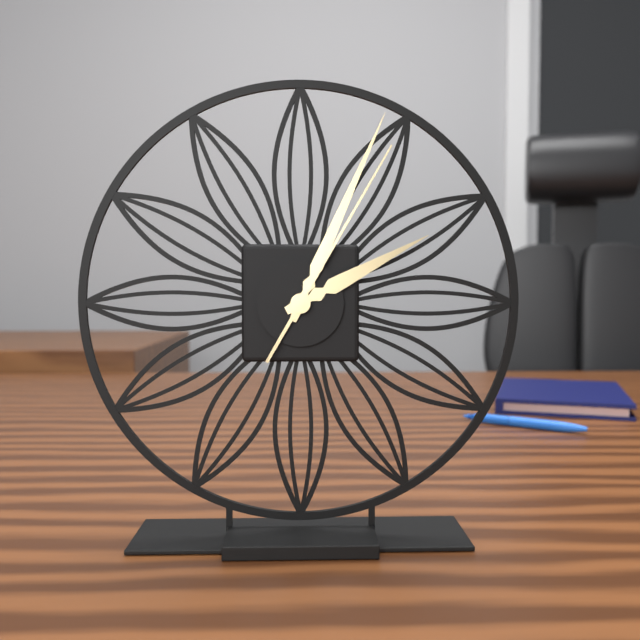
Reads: 2:04:05
